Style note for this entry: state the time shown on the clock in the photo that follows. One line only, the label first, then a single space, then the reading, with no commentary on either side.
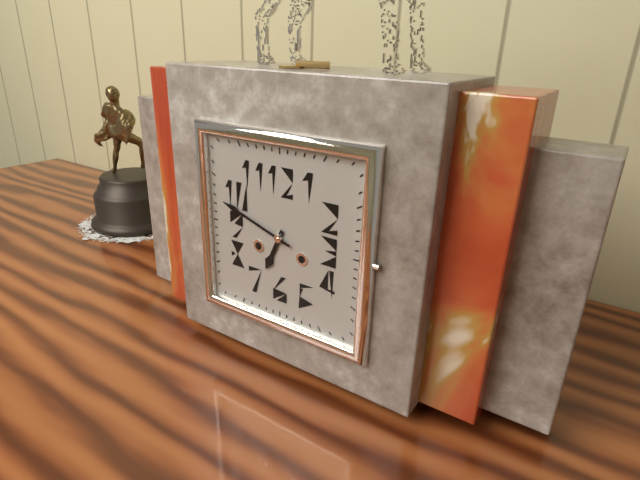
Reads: 6:48
